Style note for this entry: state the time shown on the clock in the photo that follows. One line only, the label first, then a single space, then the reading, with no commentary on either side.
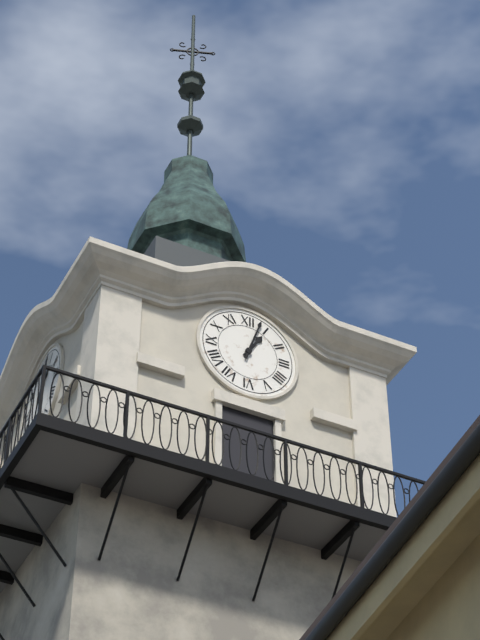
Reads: 1:03
